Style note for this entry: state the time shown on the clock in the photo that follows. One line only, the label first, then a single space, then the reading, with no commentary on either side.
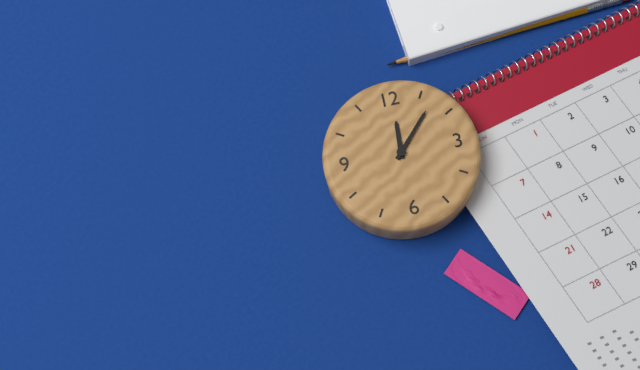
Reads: 12:07
